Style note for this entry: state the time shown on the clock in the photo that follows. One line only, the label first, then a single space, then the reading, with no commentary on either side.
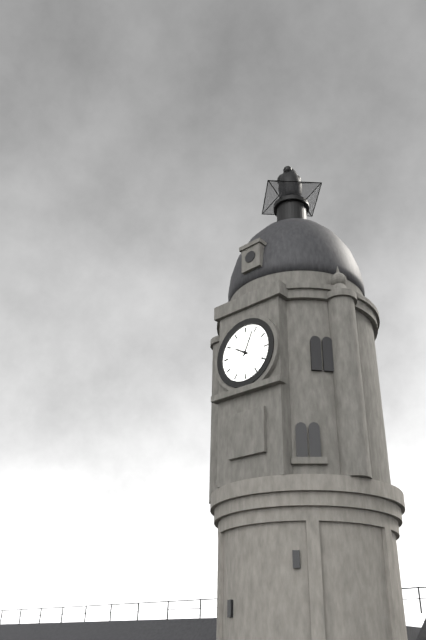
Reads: 10:04
